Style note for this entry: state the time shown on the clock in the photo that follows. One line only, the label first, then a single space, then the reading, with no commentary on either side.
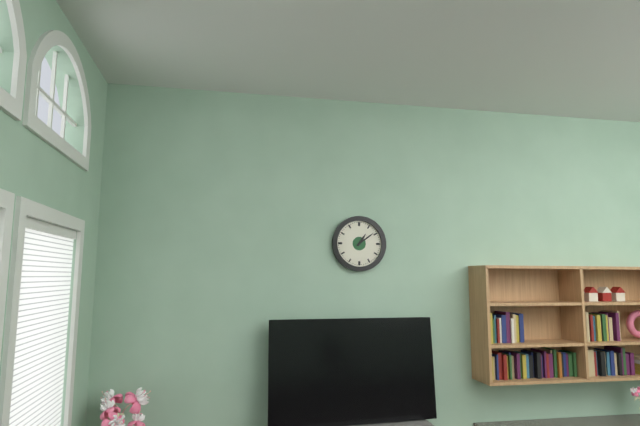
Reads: 1:09
